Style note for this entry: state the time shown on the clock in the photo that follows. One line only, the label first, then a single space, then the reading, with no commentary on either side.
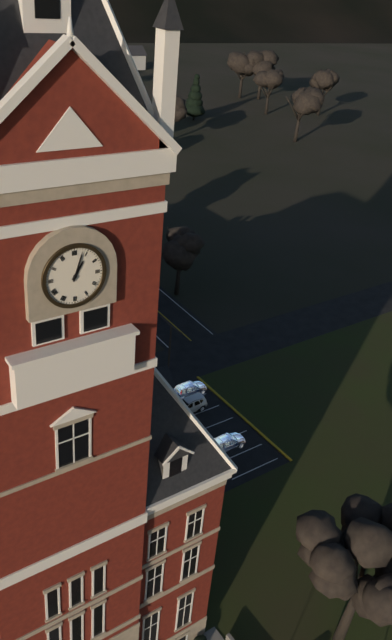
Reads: 1:03
